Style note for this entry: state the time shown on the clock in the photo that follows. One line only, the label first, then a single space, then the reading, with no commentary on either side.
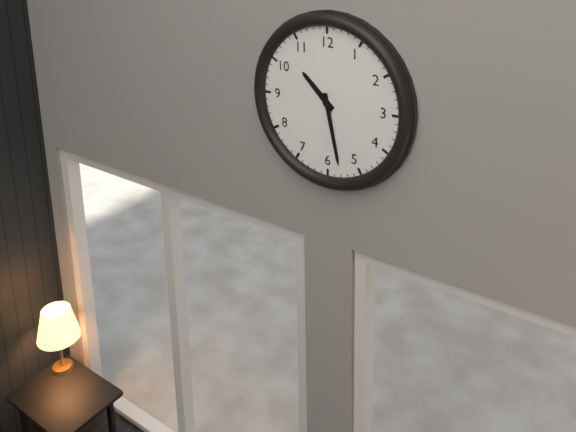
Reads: 10:28
